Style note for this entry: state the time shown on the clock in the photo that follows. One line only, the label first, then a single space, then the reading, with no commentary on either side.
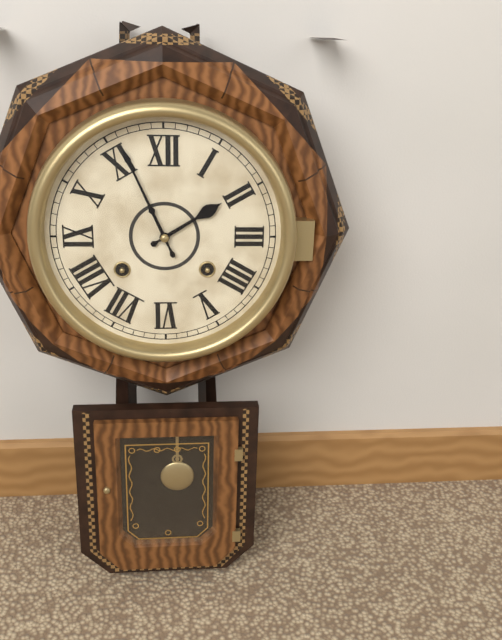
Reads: 1:56
